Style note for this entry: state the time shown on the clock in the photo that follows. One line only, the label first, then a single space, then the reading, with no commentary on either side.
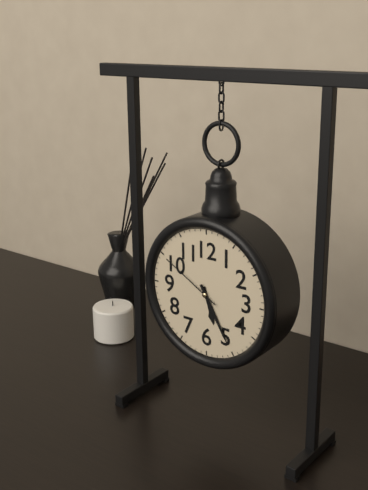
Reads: 5:25:50
